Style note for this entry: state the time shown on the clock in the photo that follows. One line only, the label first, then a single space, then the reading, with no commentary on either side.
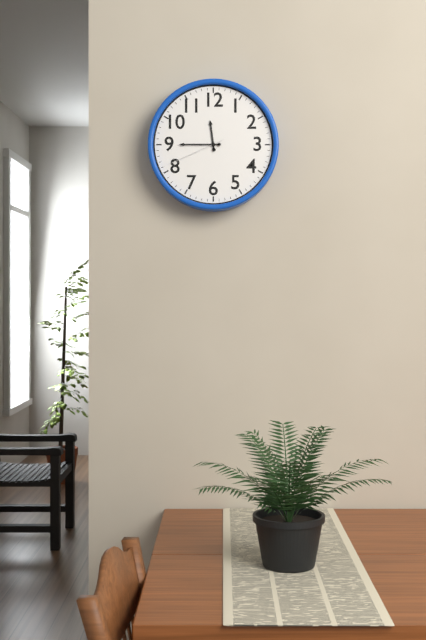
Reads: 11:45:41
